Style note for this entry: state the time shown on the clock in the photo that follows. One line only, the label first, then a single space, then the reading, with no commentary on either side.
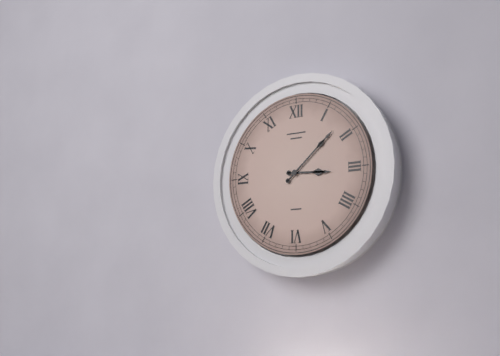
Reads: 3:08
